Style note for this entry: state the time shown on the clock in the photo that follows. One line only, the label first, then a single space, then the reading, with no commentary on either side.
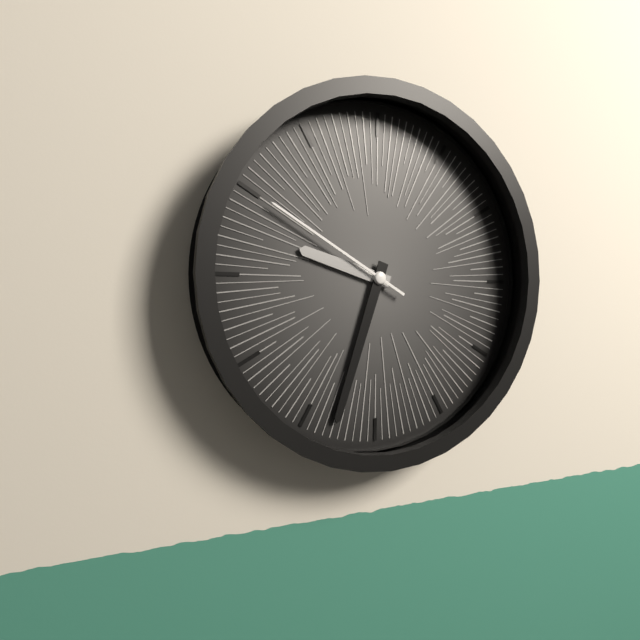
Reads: 9:33:50
